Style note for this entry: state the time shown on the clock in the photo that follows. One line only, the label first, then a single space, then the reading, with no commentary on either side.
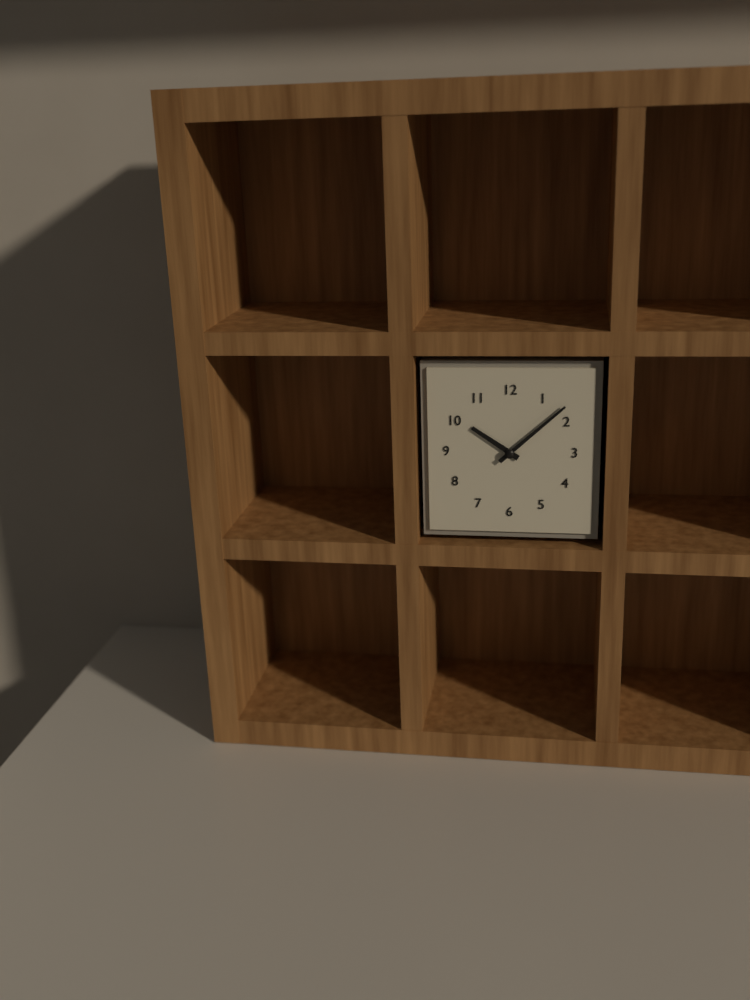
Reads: 10:08
